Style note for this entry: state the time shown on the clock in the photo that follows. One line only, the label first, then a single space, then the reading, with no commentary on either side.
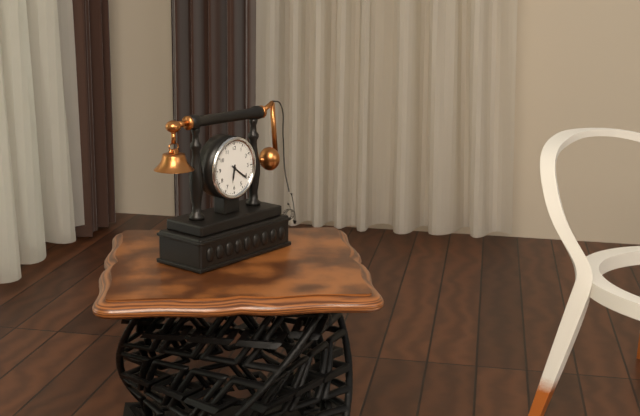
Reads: 6:21
